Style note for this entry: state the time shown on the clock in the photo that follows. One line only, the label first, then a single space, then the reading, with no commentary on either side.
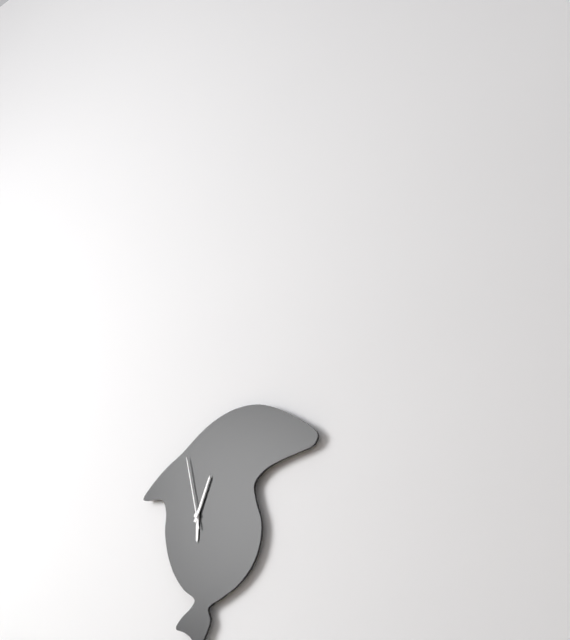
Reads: 6:04:58
